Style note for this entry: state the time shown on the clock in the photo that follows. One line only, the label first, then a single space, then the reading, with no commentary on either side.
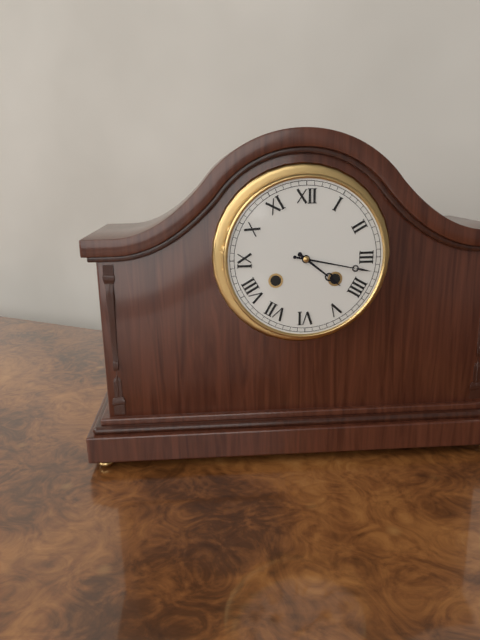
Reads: 4:17
